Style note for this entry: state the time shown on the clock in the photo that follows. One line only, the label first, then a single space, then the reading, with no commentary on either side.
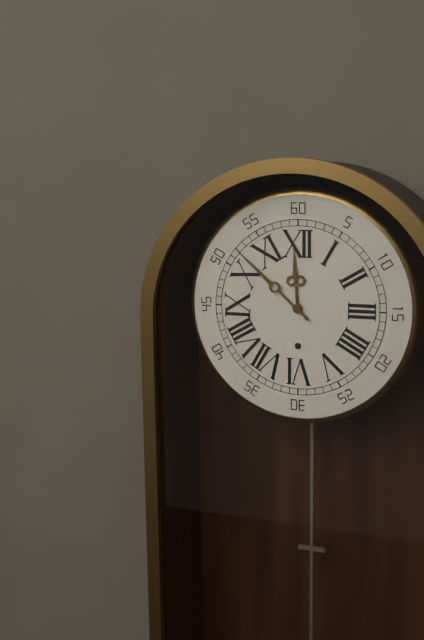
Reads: 11:52
